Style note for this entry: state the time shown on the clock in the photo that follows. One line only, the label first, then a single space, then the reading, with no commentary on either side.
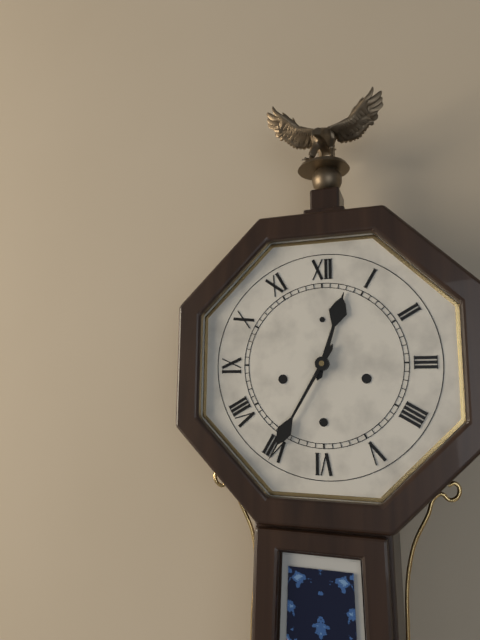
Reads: 12:35
